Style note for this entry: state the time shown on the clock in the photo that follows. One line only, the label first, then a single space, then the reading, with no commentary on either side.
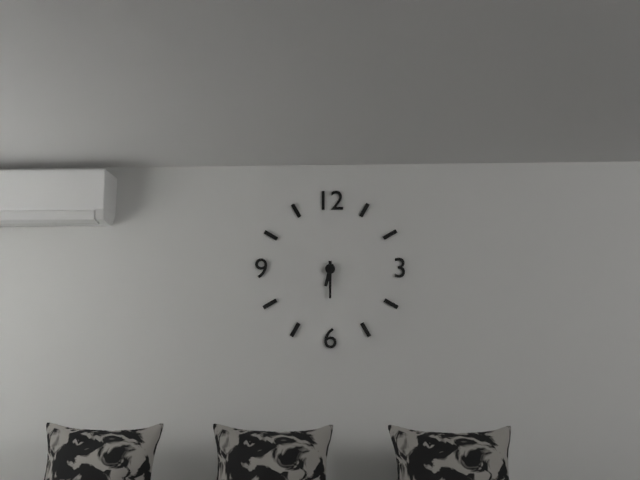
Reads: 6:30
